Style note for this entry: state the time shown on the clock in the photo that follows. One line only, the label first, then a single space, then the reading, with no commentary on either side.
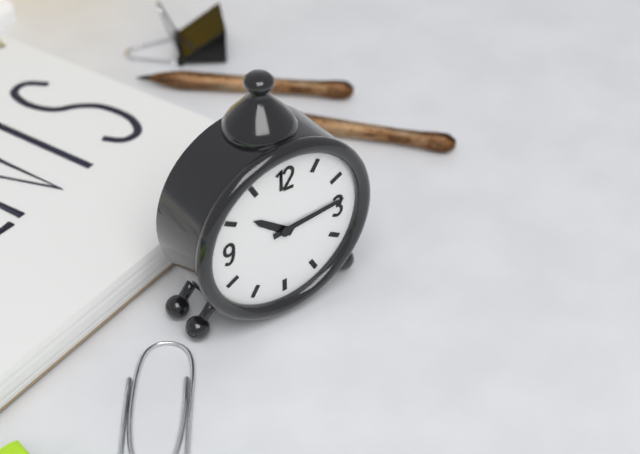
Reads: 10:14
